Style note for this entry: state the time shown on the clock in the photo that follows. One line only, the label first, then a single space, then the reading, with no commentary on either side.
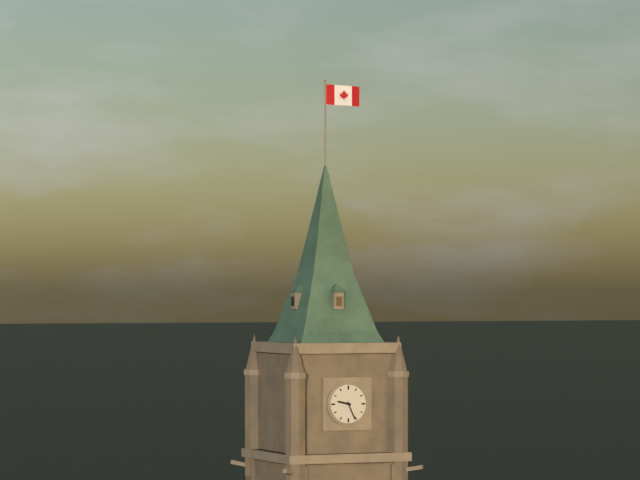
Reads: 9:26
